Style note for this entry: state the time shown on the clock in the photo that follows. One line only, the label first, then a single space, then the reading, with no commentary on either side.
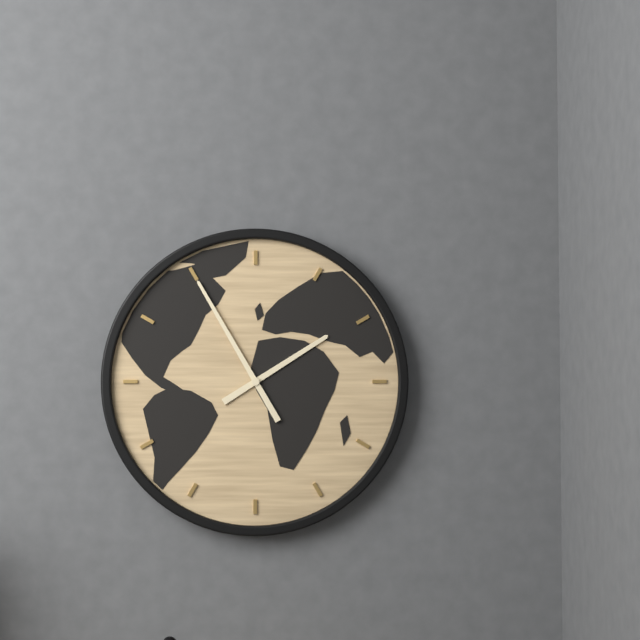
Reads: 1:55
